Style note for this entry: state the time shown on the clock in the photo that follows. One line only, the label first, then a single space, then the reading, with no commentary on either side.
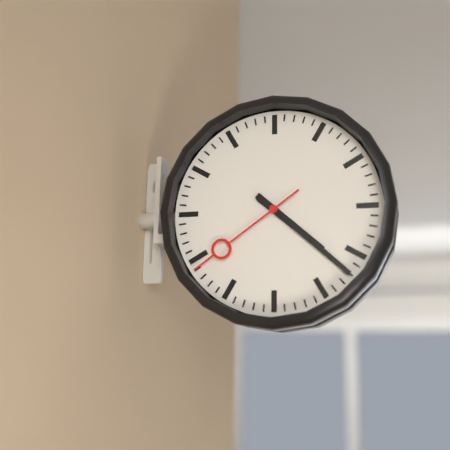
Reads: 4:22:39
